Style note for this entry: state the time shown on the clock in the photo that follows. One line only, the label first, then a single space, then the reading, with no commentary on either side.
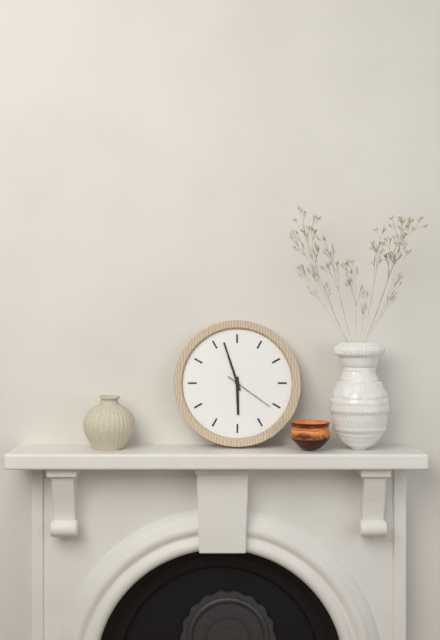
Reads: 5:57:21
